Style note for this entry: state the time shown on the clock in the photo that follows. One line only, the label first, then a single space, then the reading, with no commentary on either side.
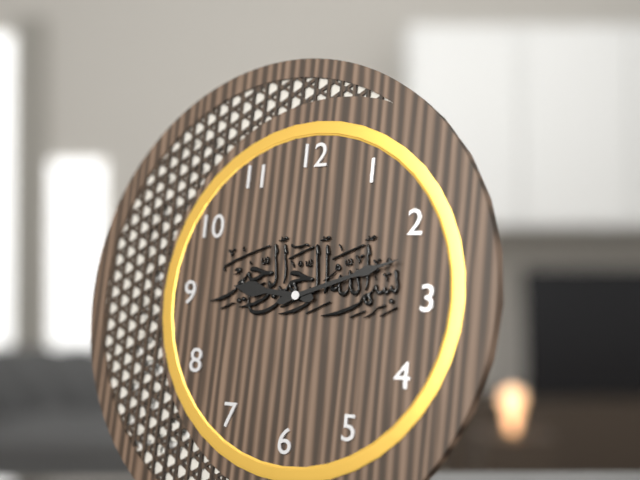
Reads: 9:12
